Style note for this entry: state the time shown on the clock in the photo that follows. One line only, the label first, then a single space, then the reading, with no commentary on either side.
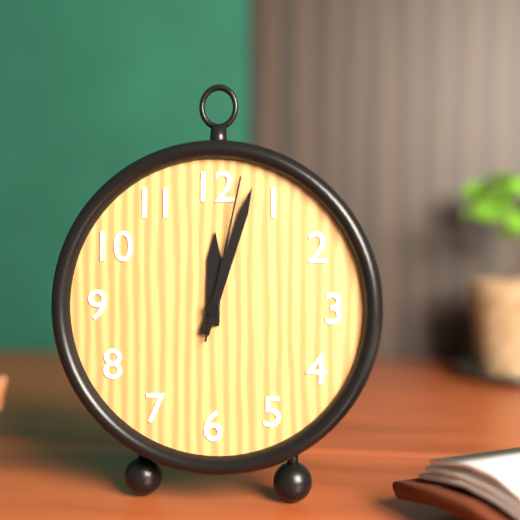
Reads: 12:03:02
